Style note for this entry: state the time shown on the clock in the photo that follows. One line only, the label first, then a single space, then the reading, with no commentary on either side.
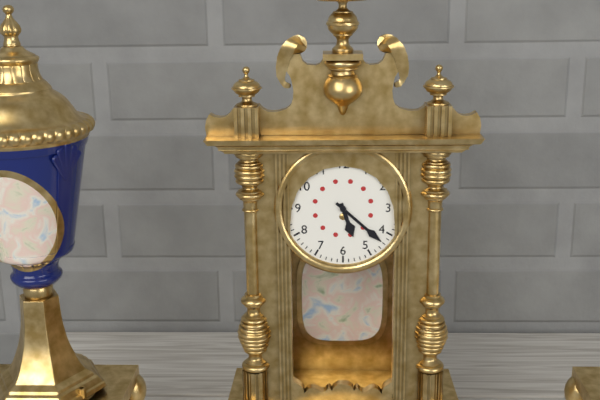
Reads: 5:22
